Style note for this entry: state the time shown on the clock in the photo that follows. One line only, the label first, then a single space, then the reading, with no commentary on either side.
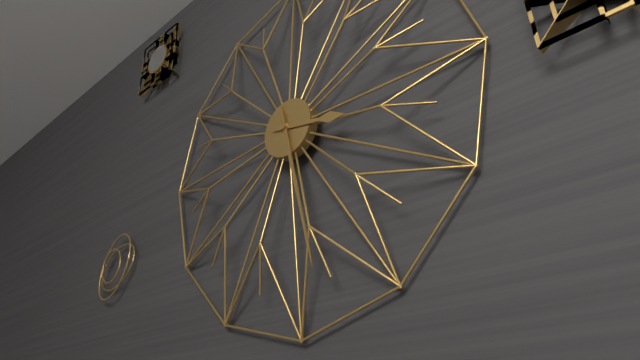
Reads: 3:28
